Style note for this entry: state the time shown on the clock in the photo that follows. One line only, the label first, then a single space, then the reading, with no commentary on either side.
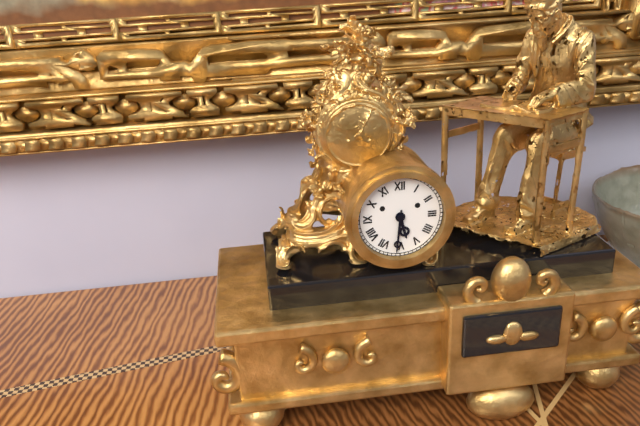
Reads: 5:31
